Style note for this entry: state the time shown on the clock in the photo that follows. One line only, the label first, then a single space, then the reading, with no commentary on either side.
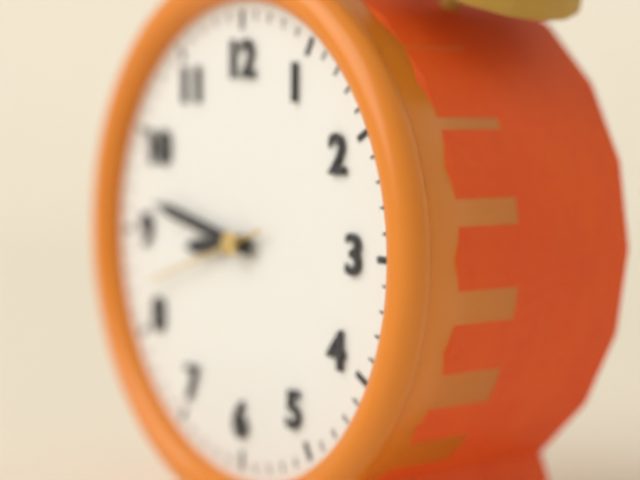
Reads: 8:47:42
